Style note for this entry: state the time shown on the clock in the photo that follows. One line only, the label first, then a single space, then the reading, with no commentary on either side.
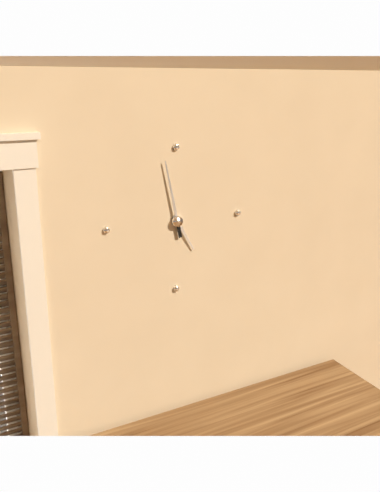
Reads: 4:58
